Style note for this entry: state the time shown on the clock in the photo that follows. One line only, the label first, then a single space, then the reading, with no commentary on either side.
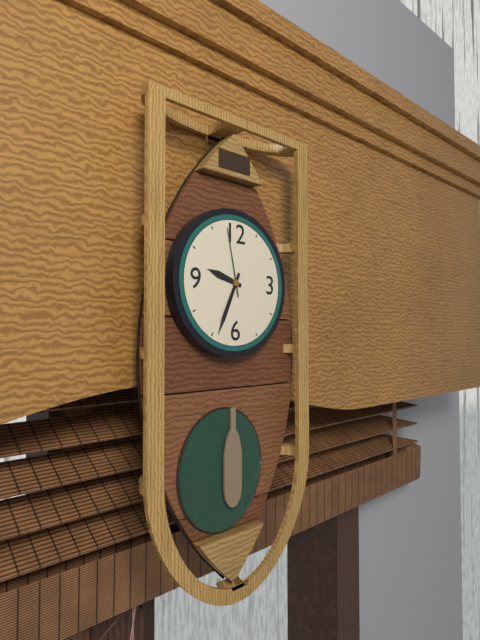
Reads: 9:34:58
